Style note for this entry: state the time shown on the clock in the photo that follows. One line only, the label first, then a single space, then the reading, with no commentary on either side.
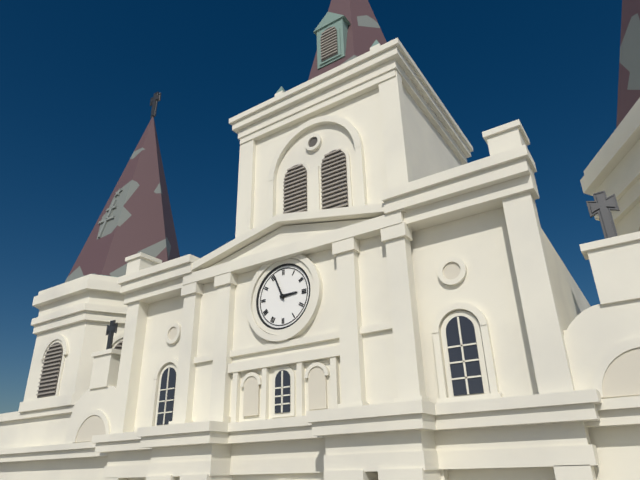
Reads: 2:56
